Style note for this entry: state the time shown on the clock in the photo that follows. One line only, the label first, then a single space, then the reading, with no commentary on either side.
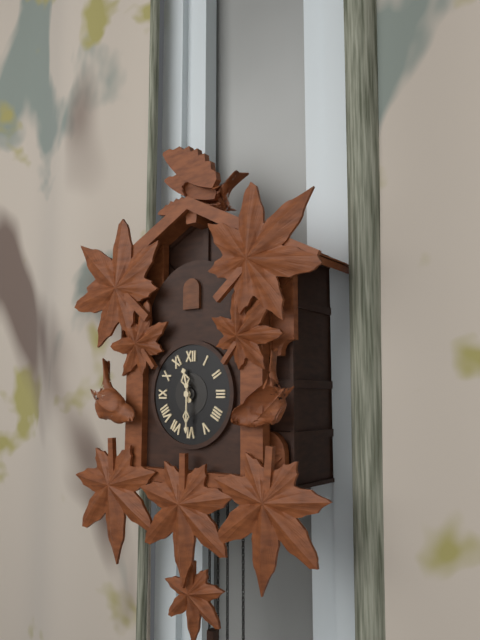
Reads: 11:30
